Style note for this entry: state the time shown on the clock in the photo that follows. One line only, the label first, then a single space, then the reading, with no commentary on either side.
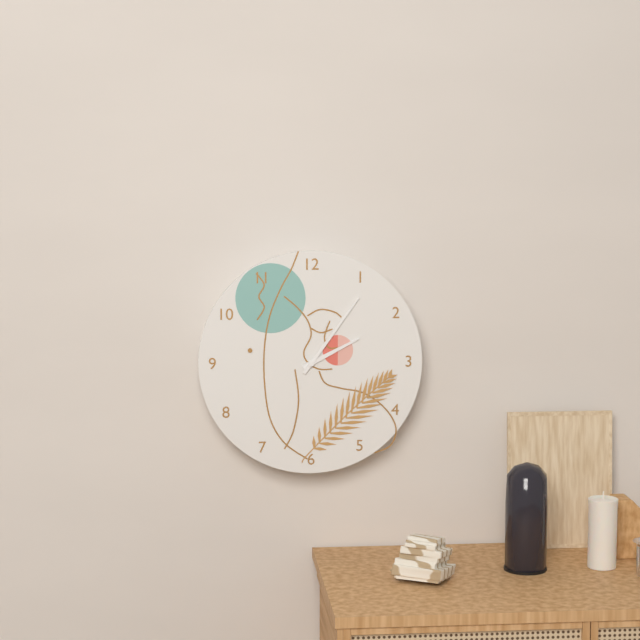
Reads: 2:06
